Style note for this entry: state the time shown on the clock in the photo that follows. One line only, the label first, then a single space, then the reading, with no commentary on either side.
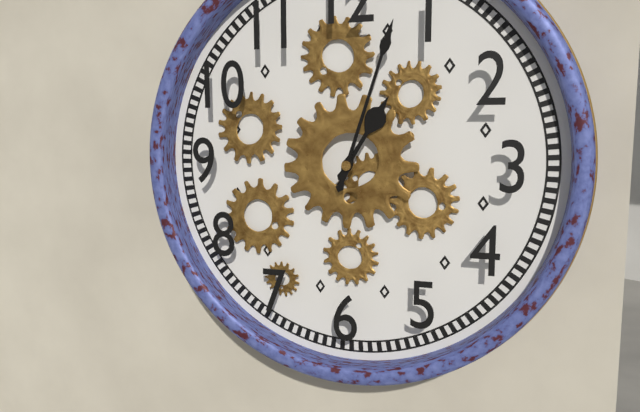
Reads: 1:03
